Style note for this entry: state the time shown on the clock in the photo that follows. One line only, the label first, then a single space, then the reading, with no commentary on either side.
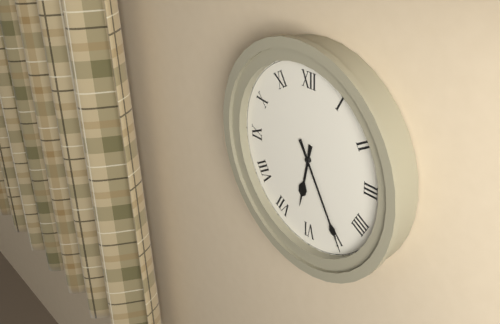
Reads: 6:25
